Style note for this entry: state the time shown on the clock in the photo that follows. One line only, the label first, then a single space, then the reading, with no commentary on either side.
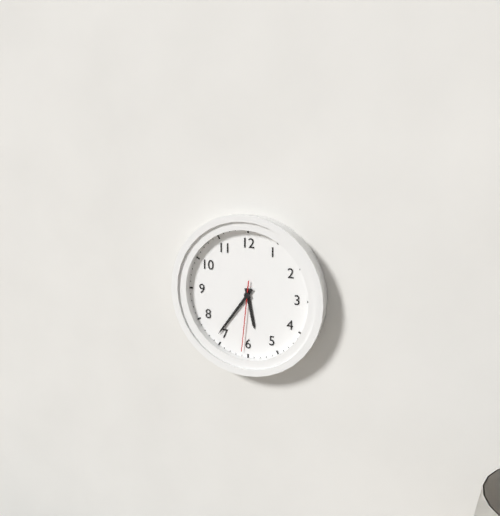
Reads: 5:36:31
